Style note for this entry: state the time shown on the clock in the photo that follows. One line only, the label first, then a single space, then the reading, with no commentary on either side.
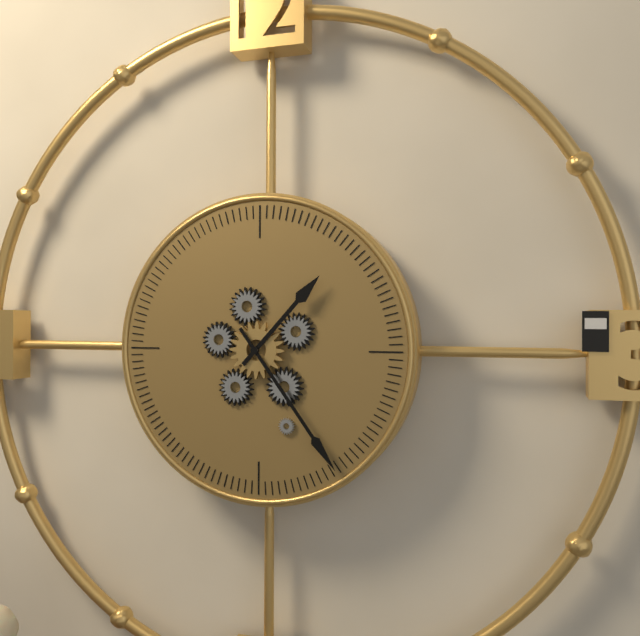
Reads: 1:24
